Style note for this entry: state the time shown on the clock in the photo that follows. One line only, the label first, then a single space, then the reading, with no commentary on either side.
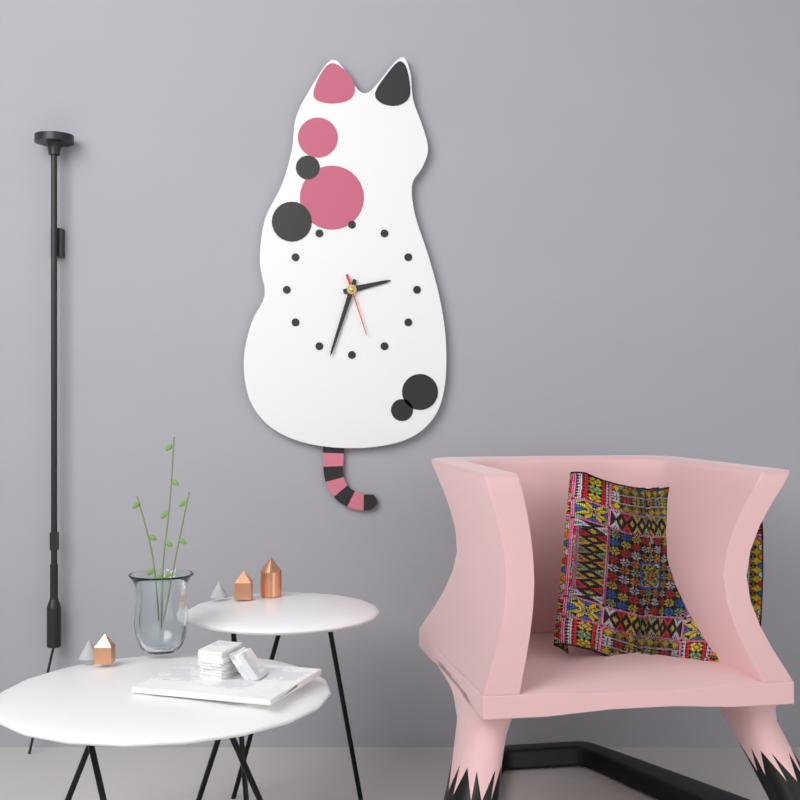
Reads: 2:33:27
